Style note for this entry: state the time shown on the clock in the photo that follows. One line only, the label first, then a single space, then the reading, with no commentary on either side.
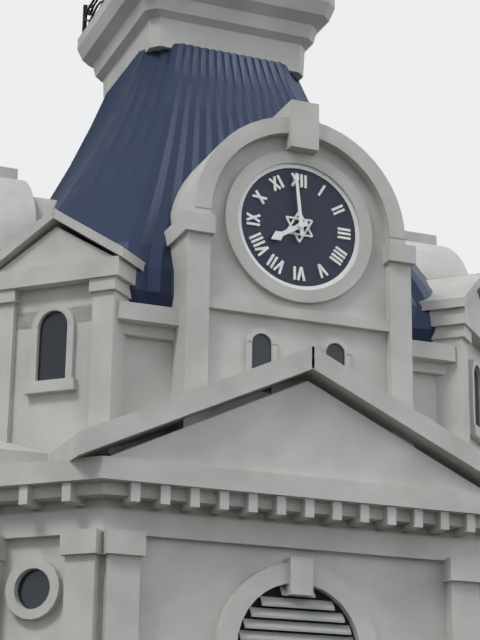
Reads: 7:59
